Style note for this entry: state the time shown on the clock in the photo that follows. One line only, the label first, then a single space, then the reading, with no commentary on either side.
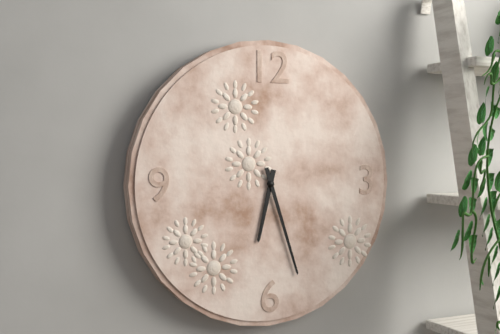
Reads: 6:27
